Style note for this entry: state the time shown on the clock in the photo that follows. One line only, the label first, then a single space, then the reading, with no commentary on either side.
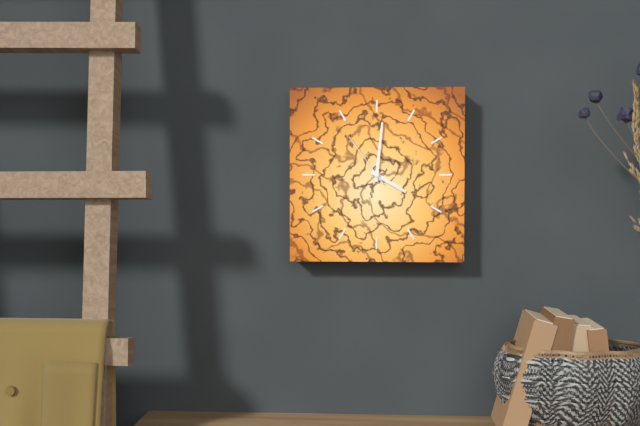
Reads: 4:01:54
